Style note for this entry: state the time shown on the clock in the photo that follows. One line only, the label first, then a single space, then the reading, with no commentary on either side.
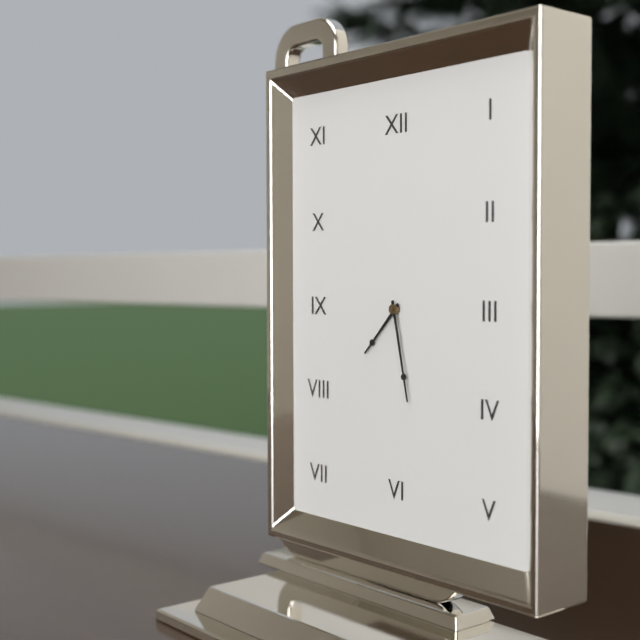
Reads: 7:28
